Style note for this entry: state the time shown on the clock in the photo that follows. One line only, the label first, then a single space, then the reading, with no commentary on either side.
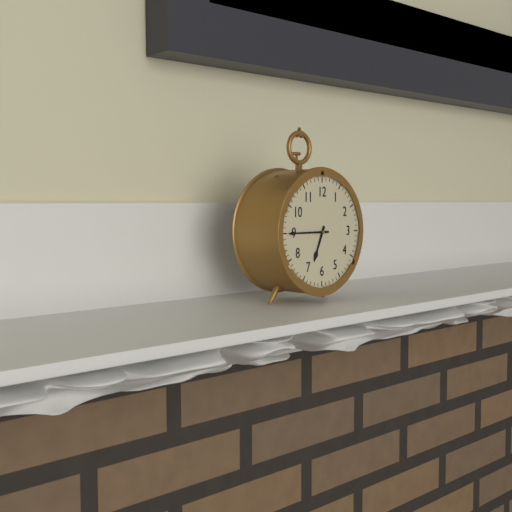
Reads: 6:45
